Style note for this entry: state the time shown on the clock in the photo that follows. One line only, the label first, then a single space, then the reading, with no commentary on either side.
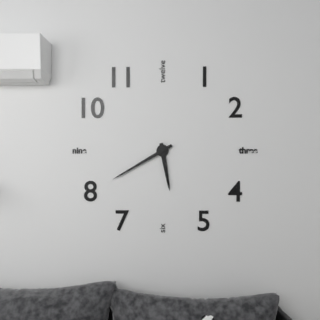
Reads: 5:40
